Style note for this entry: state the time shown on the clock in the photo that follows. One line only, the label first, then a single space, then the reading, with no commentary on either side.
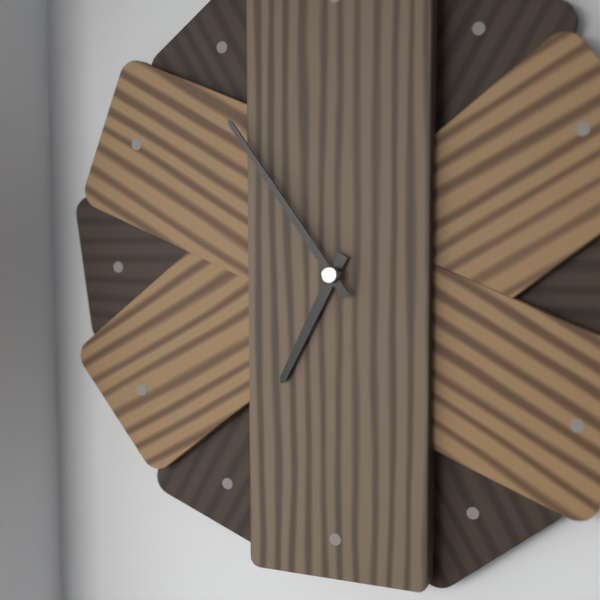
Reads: 6:54
